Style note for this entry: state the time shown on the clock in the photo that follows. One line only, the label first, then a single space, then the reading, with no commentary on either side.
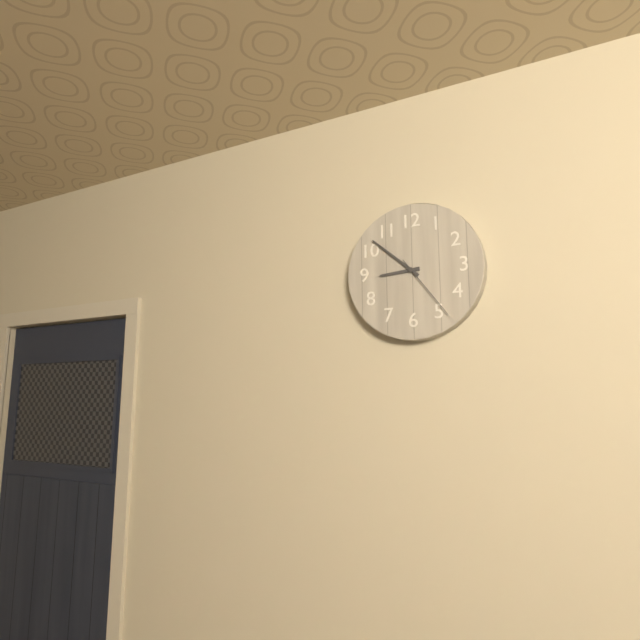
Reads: 8:52:24
